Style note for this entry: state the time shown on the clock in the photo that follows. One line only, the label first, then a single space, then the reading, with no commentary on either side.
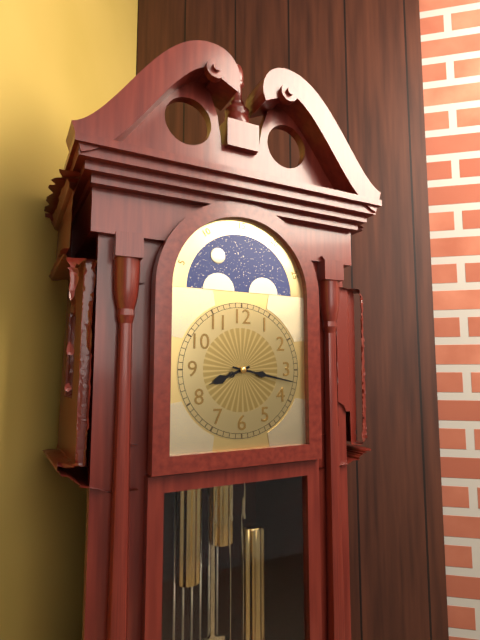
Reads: 8:17
